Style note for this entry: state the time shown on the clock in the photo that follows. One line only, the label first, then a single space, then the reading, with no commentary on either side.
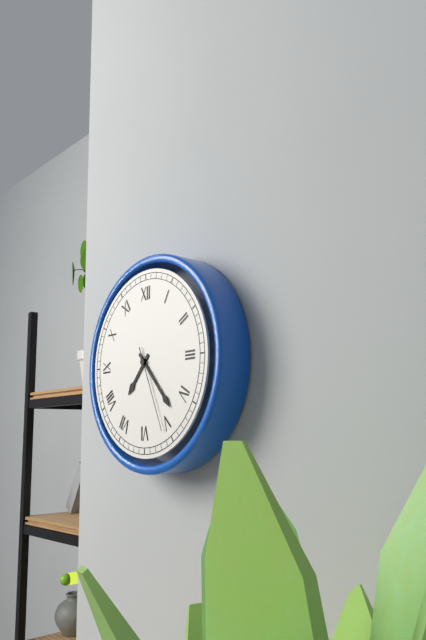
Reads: 7:23:26
